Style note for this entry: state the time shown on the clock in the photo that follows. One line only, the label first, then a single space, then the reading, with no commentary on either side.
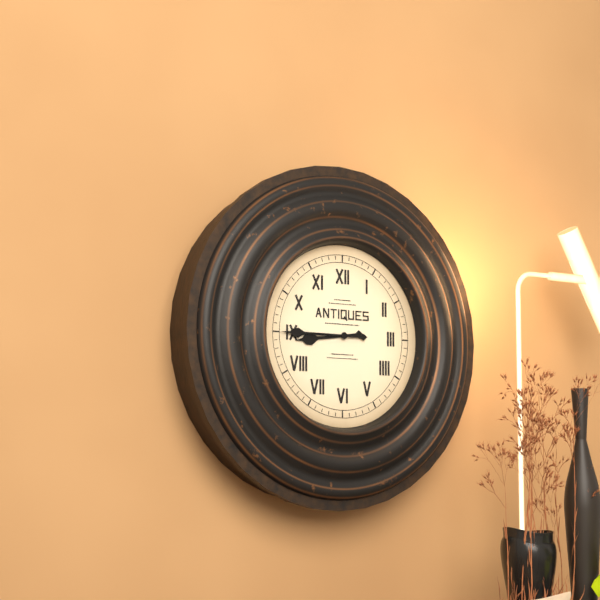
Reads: 8:45
